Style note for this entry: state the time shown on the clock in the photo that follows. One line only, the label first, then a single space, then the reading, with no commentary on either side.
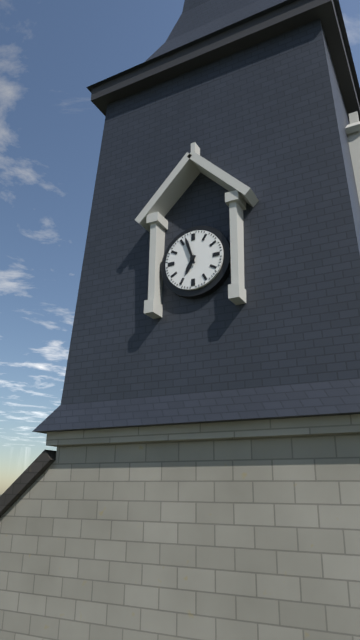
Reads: 6:57
